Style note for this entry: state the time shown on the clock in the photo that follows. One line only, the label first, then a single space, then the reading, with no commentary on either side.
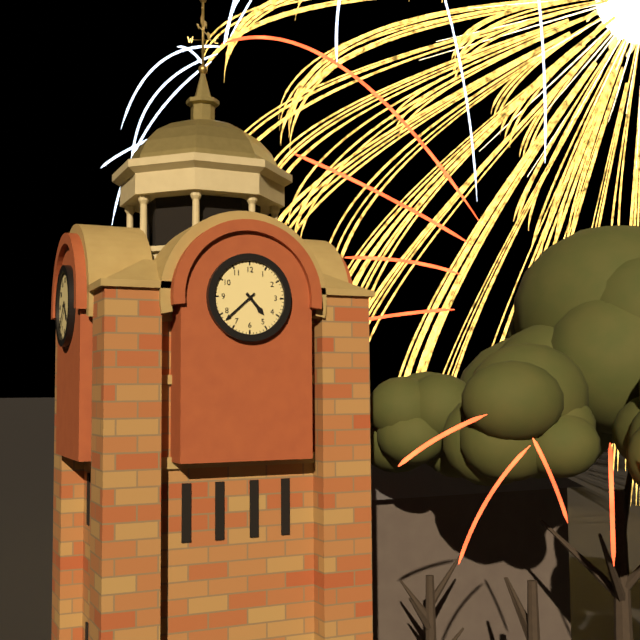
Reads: 4:38
